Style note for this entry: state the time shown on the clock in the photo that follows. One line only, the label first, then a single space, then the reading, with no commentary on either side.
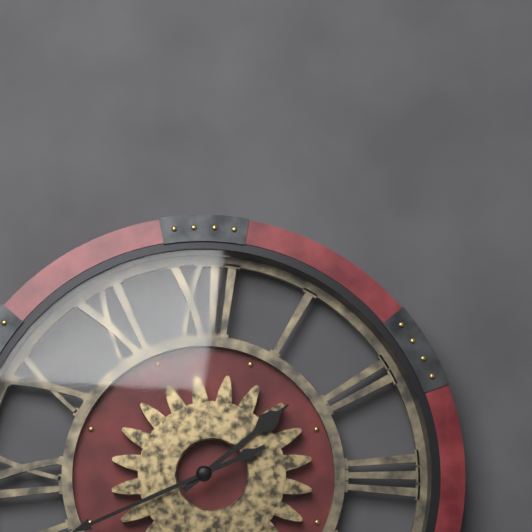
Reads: 1:41
